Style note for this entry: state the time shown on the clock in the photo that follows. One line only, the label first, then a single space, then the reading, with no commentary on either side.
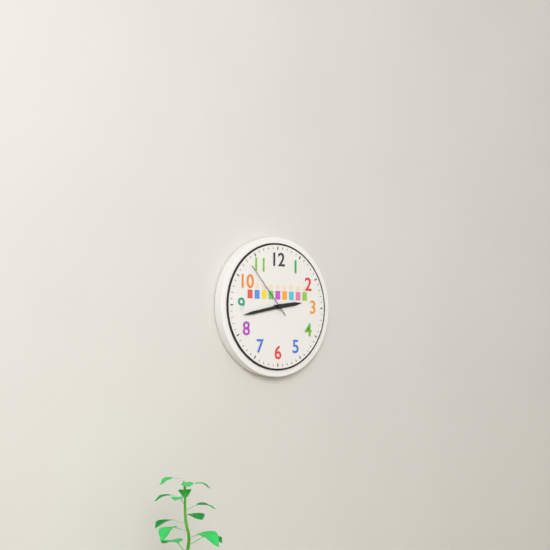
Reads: 2:43:53
